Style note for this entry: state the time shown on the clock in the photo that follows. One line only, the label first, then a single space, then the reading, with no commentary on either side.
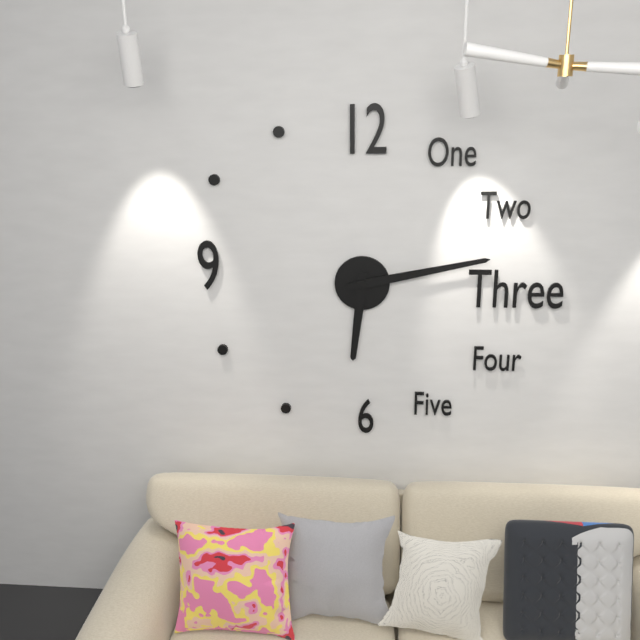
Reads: 6:13
